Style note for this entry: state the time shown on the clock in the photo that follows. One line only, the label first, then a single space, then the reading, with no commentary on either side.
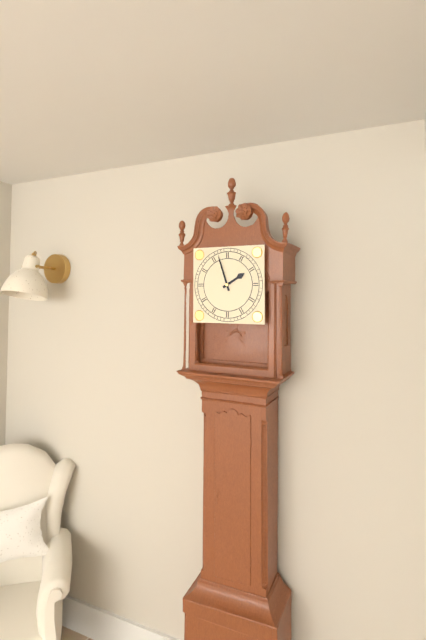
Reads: 1:57
